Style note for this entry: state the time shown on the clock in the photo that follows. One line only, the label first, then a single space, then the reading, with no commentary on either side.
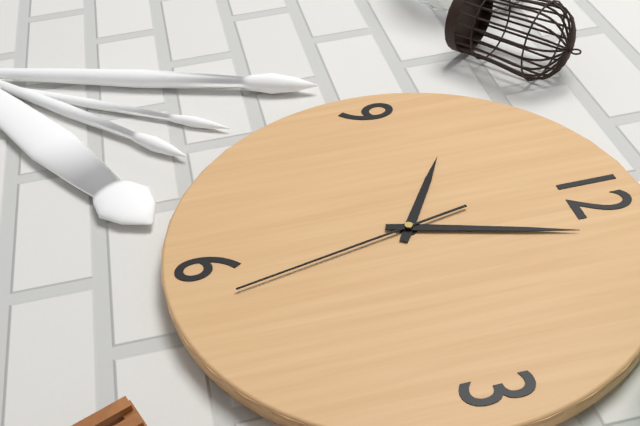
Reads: 10:03:28
